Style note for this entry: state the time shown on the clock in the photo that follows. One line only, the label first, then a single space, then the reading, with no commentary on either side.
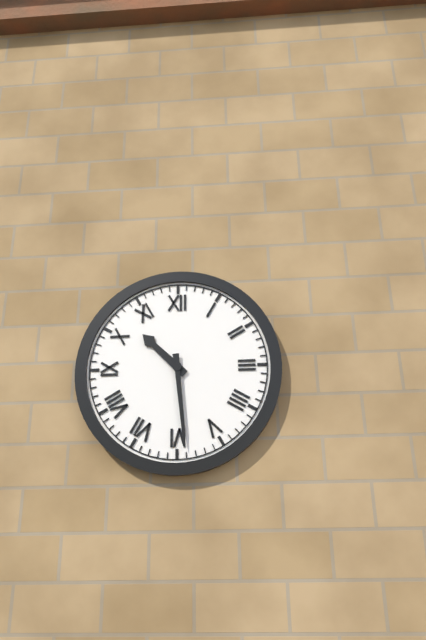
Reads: 10:29
